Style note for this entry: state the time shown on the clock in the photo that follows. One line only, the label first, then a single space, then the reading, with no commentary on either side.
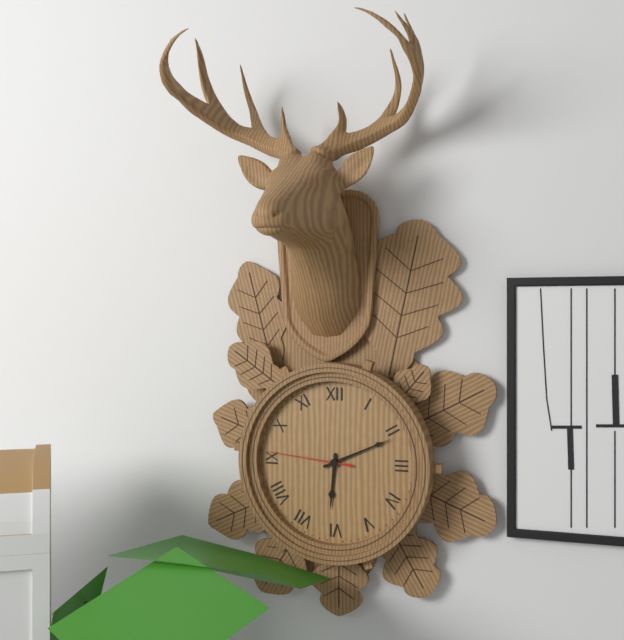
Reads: 6:11:46
